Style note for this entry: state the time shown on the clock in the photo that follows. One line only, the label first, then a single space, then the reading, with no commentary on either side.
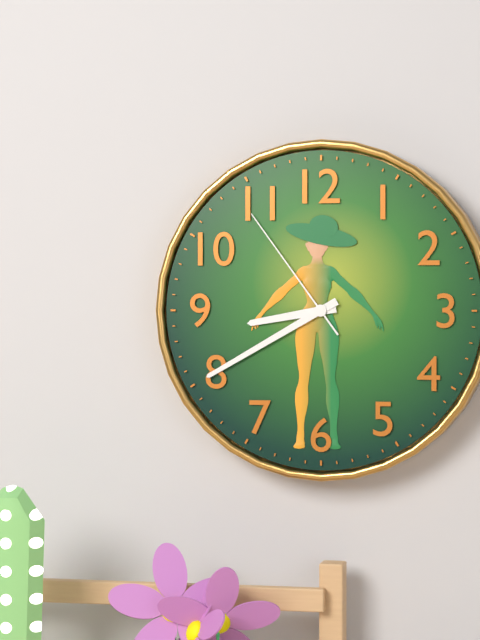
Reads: 8:40:54
